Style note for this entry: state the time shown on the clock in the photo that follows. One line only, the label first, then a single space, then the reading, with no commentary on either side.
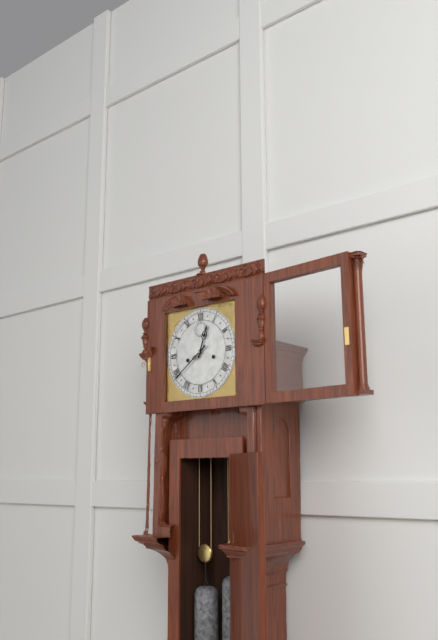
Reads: 12:39
